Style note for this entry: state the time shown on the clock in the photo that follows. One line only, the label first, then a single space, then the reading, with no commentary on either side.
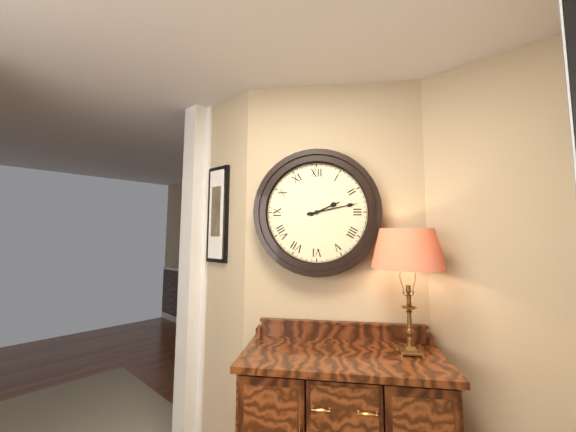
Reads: 2:13
